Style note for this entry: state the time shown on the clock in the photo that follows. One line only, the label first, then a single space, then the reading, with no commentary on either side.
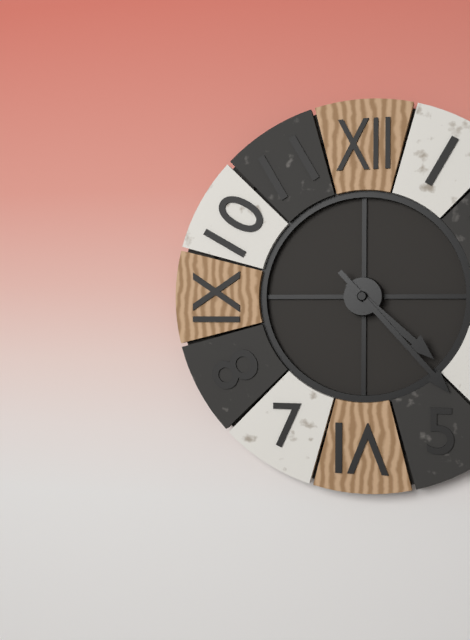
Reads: 4:23
